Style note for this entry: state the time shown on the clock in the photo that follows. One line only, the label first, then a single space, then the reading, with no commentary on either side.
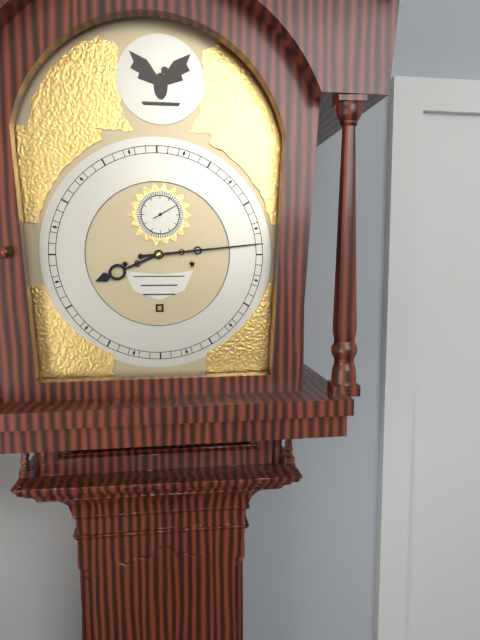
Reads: 8:14
